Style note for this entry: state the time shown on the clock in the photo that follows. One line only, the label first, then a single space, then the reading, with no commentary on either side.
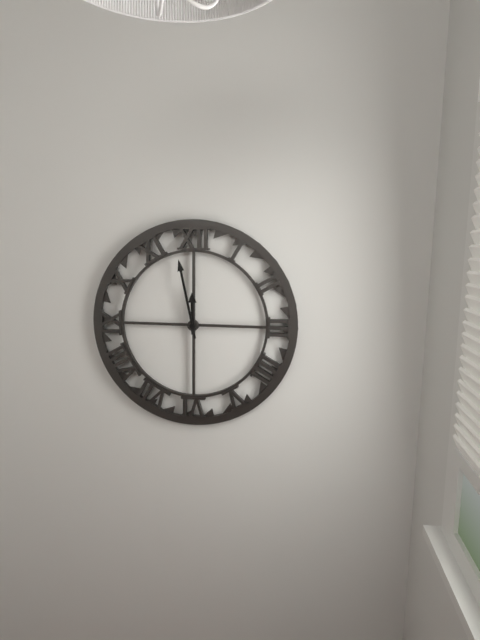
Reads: 11:58
